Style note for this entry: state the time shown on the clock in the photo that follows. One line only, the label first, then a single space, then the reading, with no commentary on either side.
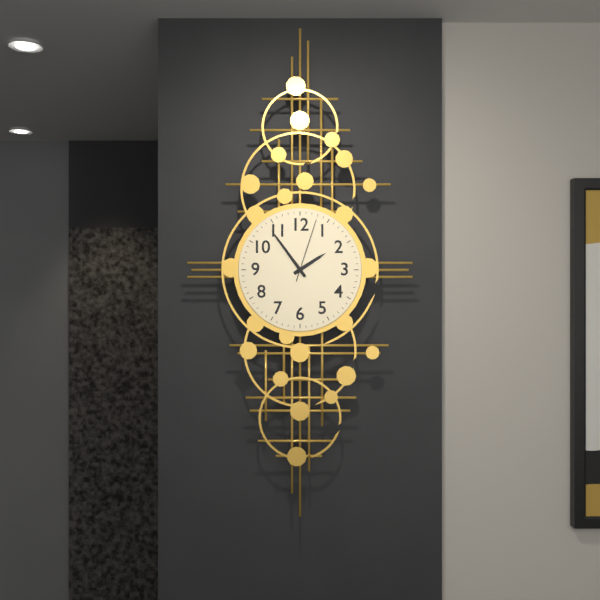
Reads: 1:54:03
